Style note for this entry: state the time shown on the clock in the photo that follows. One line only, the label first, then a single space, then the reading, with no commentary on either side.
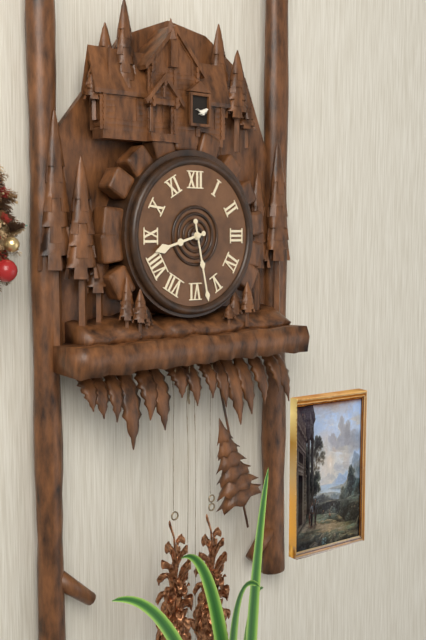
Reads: 8:28
